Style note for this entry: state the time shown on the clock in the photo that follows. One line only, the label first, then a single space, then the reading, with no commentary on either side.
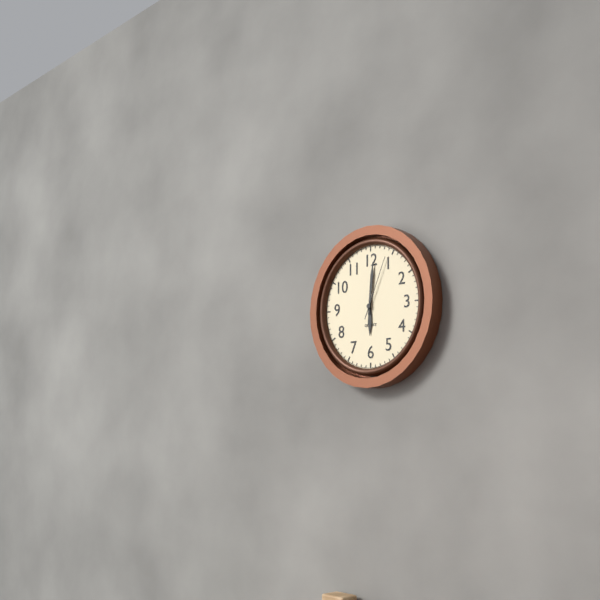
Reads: 6:01:04
